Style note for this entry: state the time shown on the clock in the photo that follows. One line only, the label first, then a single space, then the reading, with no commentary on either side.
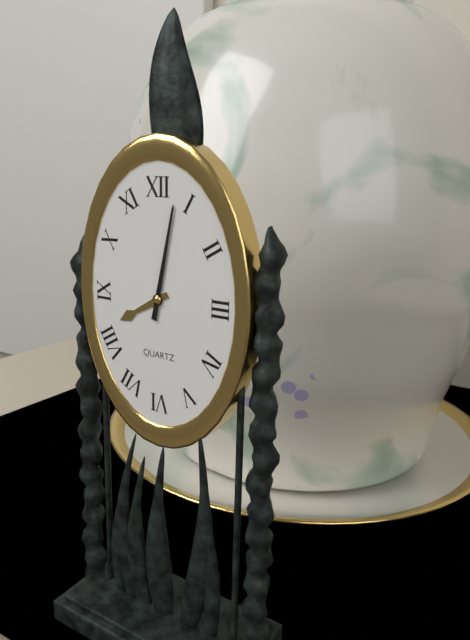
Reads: 8:02
